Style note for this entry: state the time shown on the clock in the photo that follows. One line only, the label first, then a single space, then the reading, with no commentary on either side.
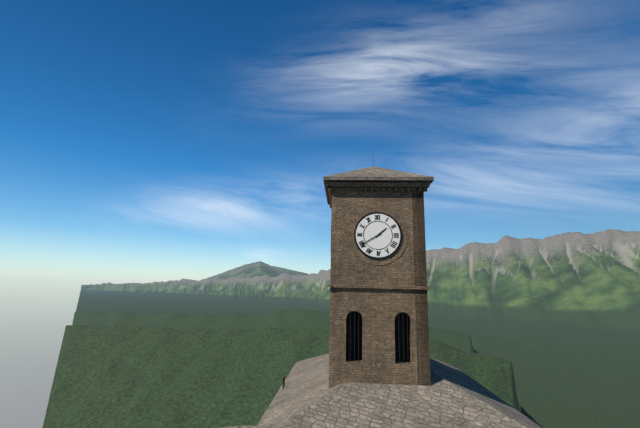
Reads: 1:40
